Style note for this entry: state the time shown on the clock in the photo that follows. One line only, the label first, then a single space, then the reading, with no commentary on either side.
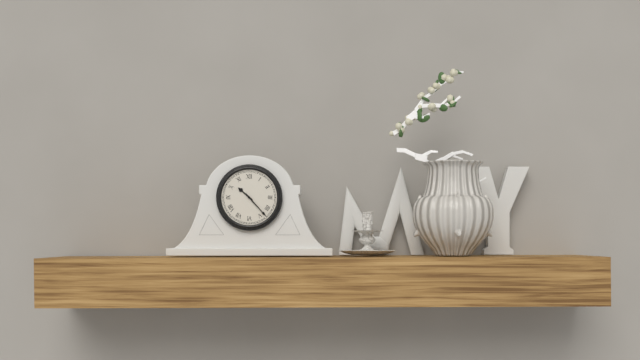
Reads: 10:23
